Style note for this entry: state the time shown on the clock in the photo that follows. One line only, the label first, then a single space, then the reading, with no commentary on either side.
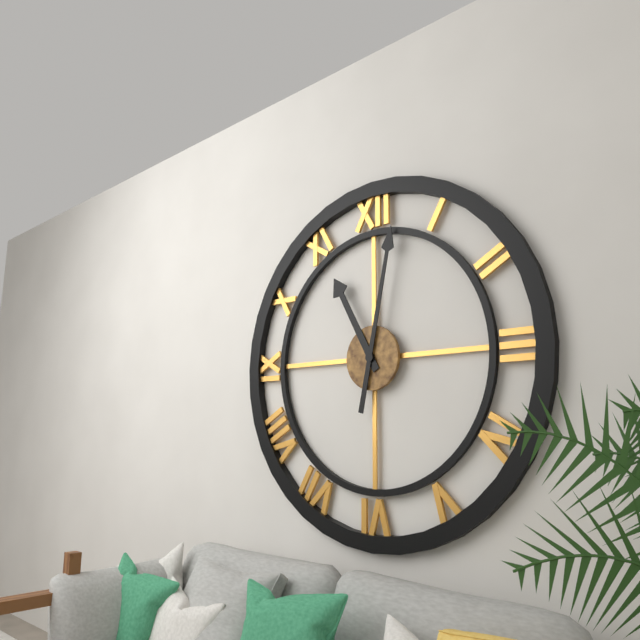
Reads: 11:02
